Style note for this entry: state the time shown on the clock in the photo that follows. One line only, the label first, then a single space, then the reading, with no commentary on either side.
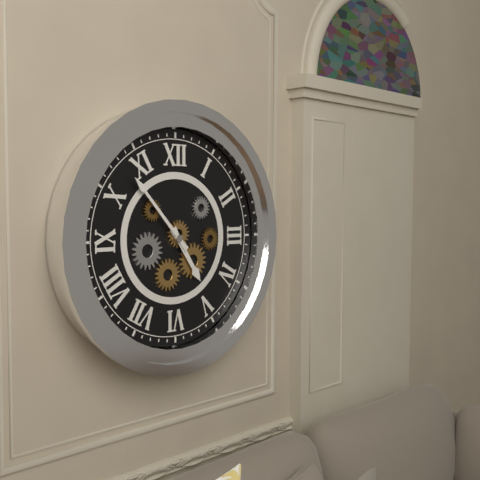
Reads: 4:53
